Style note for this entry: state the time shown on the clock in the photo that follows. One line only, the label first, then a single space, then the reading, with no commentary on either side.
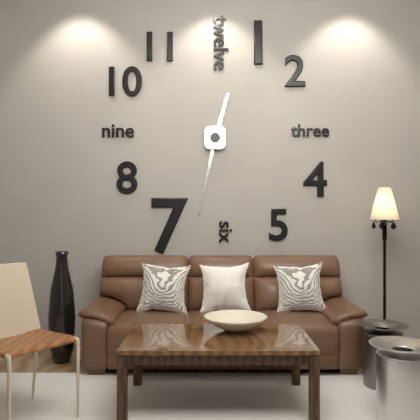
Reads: 12:32
